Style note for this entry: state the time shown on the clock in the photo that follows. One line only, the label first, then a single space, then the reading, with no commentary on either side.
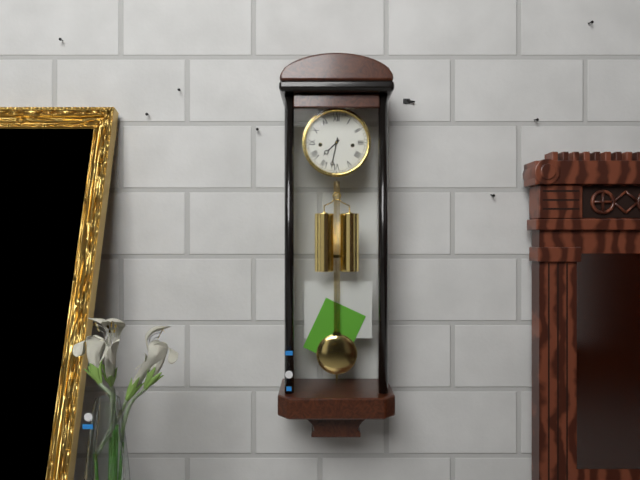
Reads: 7:32
